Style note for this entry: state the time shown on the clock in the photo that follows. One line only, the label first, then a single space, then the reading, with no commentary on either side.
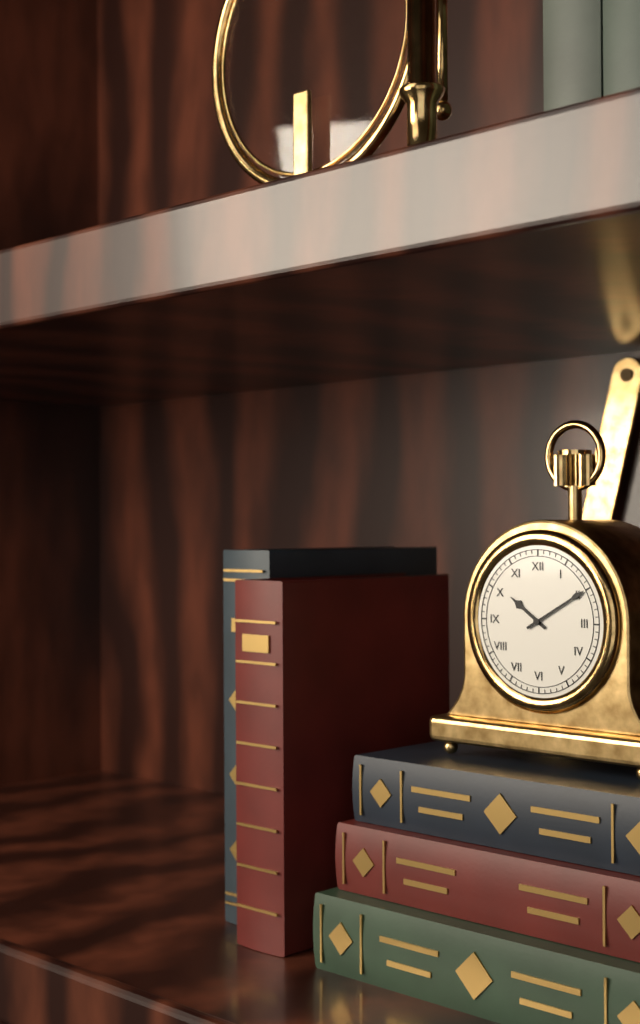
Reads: 10:10
